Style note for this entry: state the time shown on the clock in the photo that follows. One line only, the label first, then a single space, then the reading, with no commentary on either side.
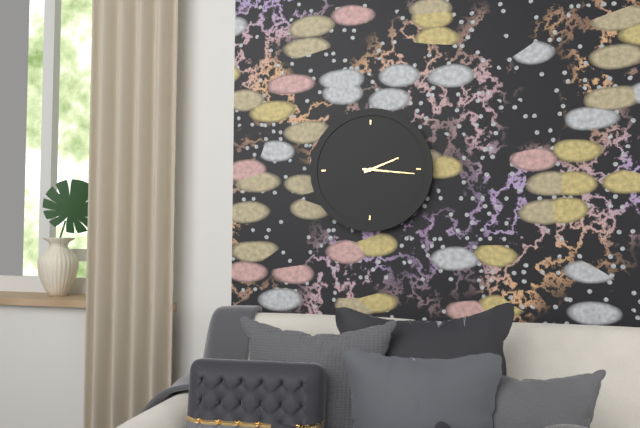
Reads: 2:16
